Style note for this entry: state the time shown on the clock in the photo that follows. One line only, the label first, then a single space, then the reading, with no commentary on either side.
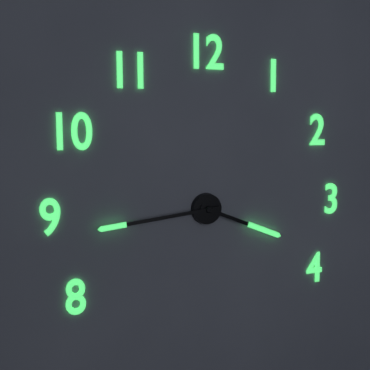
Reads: 3:44
